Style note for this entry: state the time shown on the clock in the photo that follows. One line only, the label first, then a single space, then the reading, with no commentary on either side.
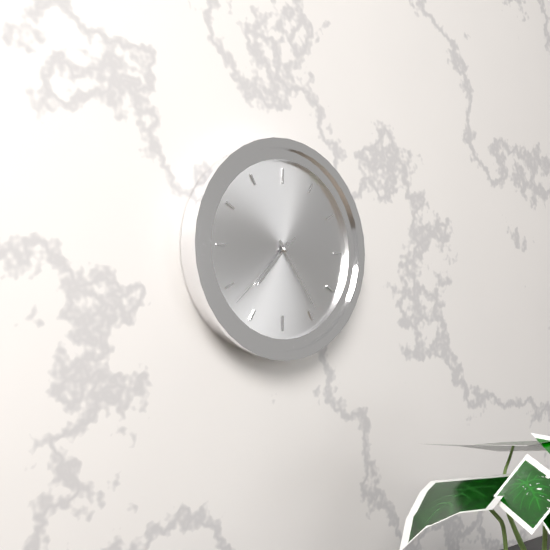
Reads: 7:24:38
